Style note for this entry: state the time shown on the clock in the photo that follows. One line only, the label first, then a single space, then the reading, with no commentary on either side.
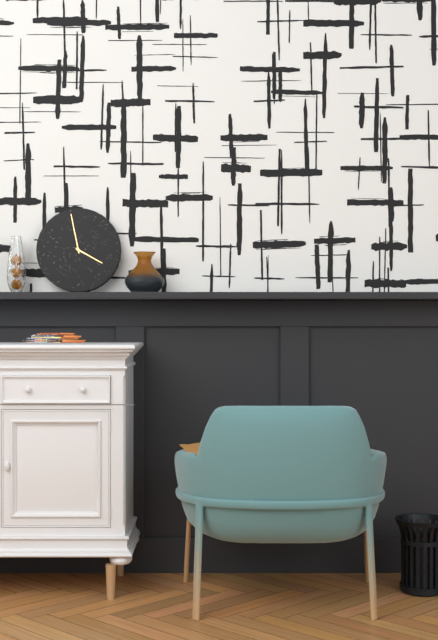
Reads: 3:58
